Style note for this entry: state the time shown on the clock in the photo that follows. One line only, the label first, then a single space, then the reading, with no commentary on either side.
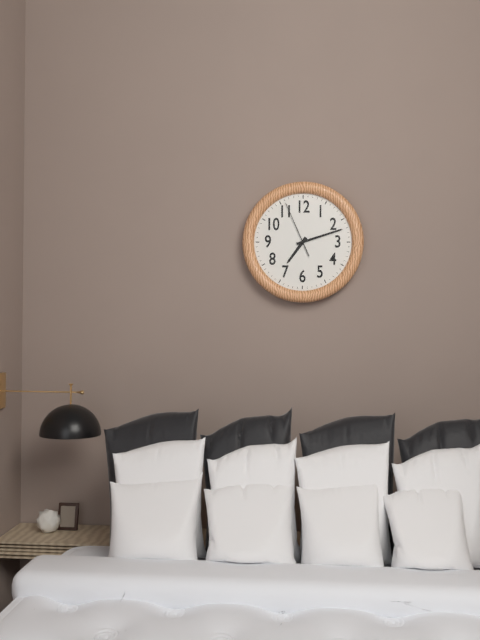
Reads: 7:12:56
